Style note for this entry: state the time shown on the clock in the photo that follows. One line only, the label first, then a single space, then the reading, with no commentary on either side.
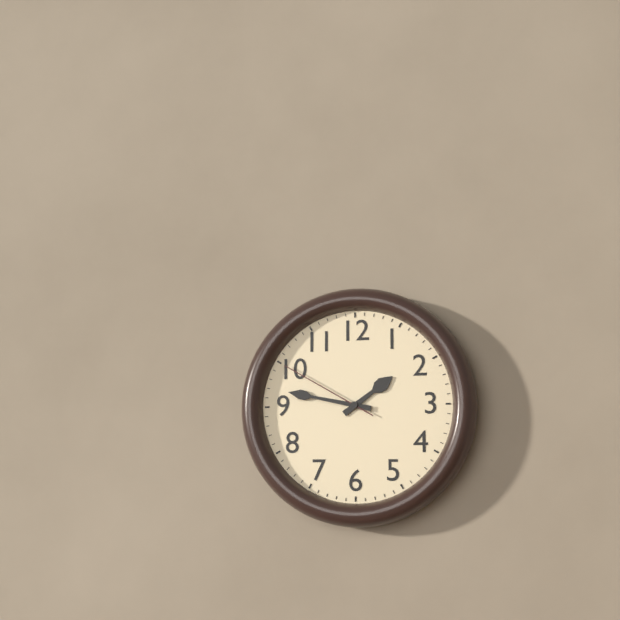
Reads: 1:47:50
